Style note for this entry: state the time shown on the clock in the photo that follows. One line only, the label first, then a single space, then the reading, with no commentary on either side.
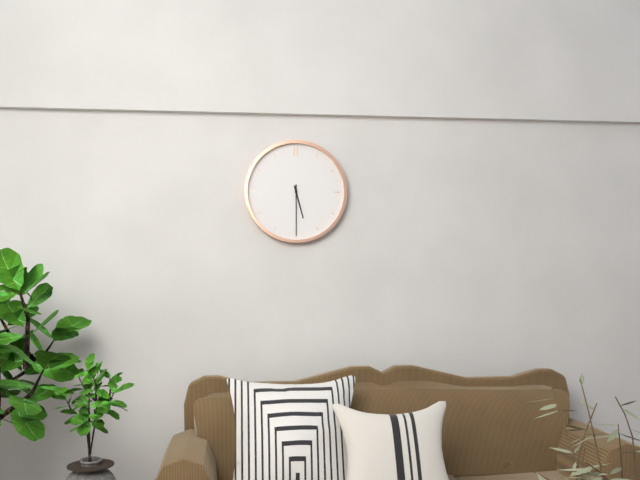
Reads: 5:30
